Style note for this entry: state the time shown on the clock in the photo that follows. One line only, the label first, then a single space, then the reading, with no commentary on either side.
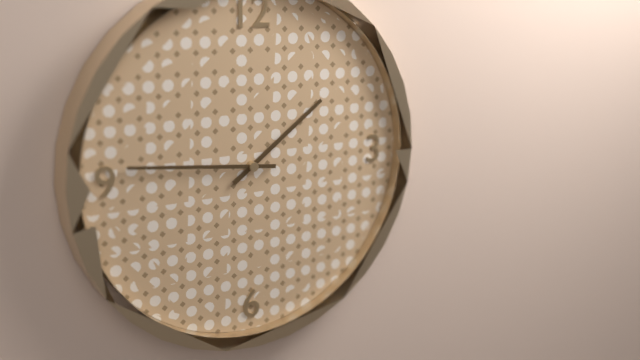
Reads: 1:46
